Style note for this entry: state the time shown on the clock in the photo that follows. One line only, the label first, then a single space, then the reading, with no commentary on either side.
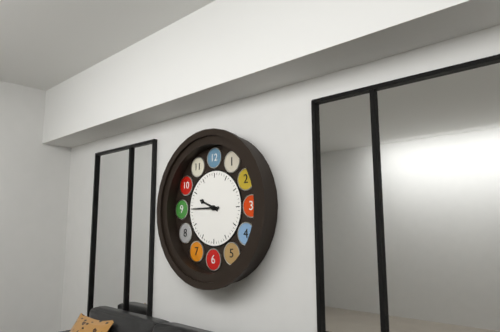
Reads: 9:45
